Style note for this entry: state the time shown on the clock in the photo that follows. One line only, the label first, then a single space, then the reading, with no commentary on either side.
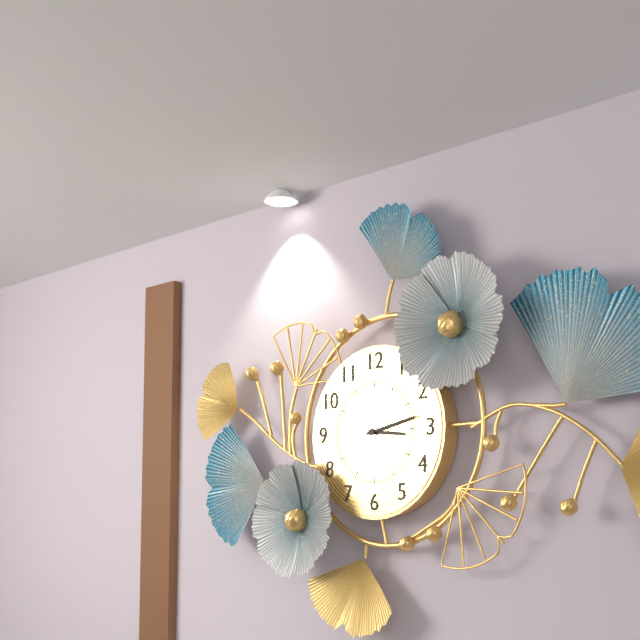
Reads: 3:13
